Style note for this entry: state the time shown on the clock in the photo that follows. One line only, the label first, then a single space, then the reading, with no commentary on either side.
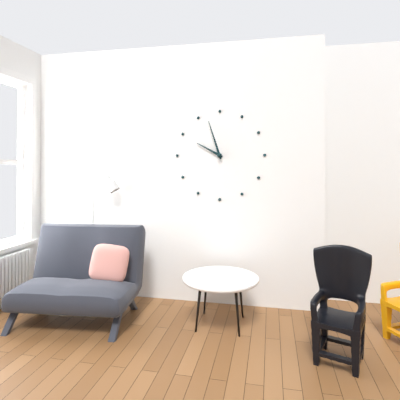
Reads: 9:57
